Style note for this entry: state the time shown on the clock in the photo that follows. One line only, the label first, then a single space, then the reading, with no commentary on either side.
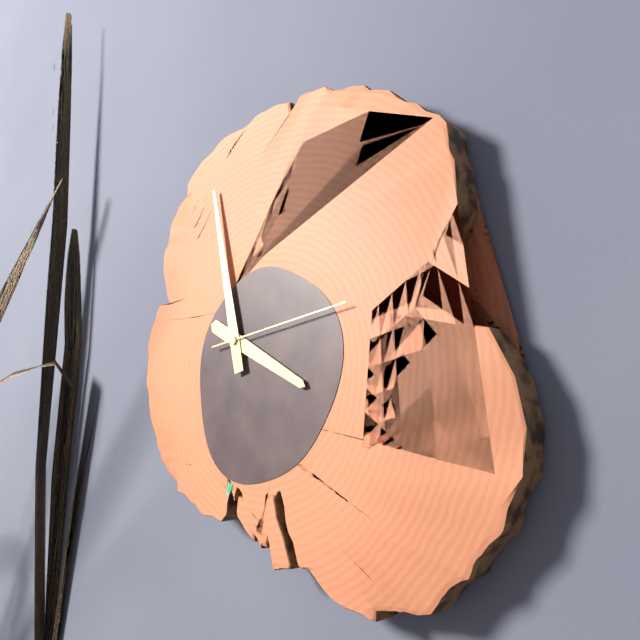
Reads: 3:58:14
